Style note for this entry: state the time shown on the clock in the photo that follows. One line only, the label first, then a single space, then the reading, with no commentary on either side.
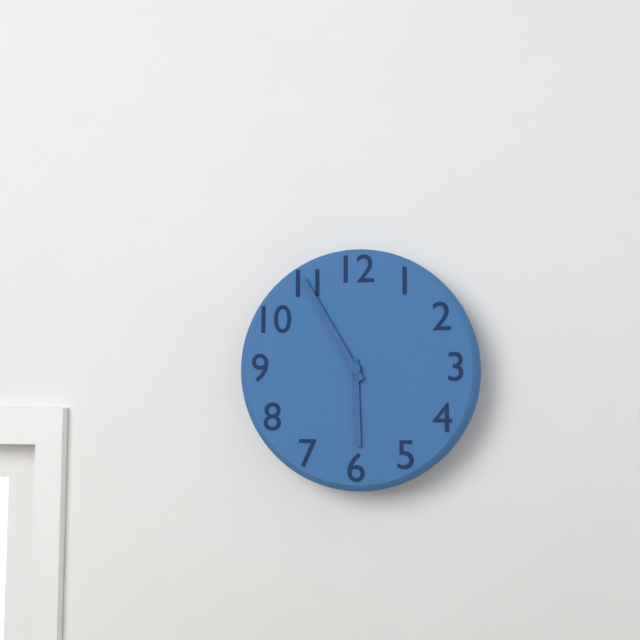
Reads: 5:55
